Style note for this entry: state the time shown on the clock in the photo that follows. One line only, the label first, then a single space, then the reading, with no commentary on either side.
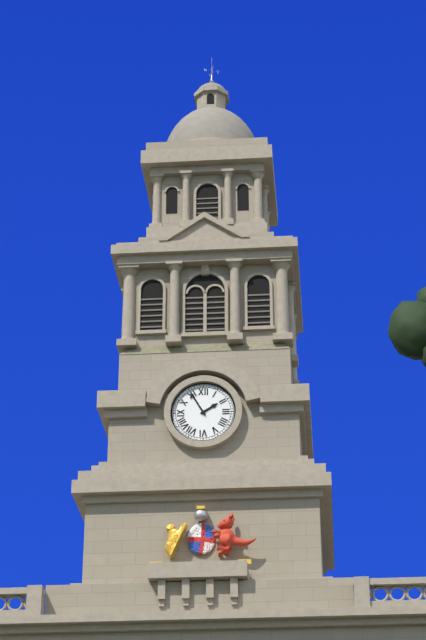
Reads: 1:55
